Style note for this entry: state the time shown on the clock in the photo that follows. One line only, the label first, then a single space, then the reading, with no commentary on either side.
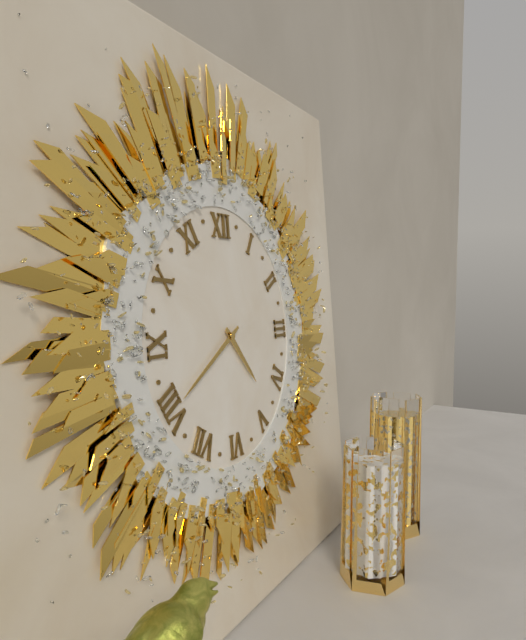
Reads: 4:40
